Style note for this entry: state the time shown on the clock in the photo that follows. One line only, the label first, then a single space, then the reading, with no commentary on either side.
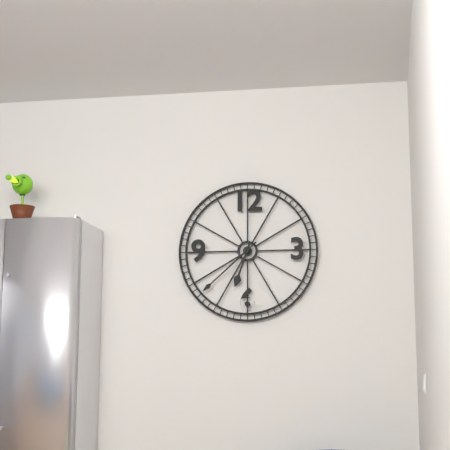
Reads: 6:38
